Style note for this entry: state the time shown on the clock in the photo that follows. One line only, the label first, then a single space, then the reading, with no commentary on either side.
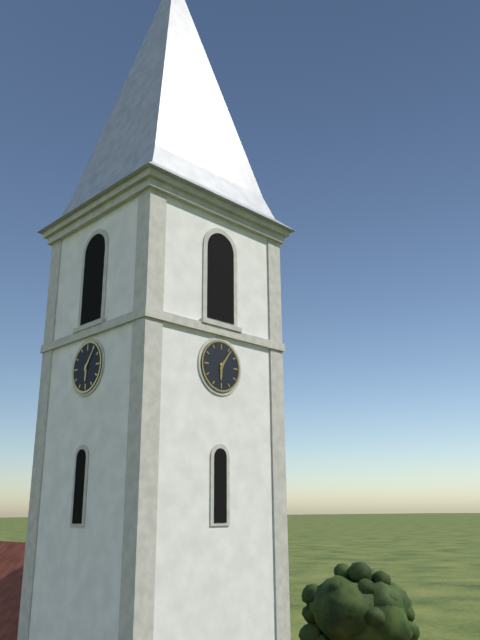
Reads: 6:06
